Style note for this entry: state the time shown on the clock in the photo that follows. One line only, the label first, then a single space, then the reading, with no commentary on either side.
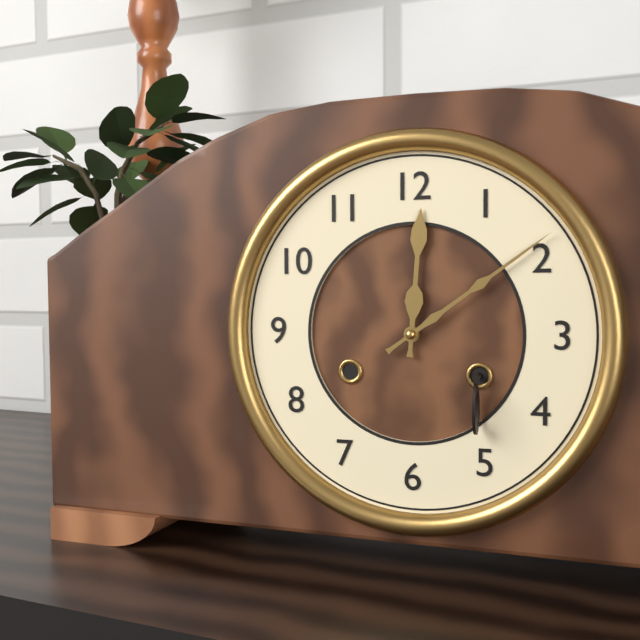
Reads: 12:09
